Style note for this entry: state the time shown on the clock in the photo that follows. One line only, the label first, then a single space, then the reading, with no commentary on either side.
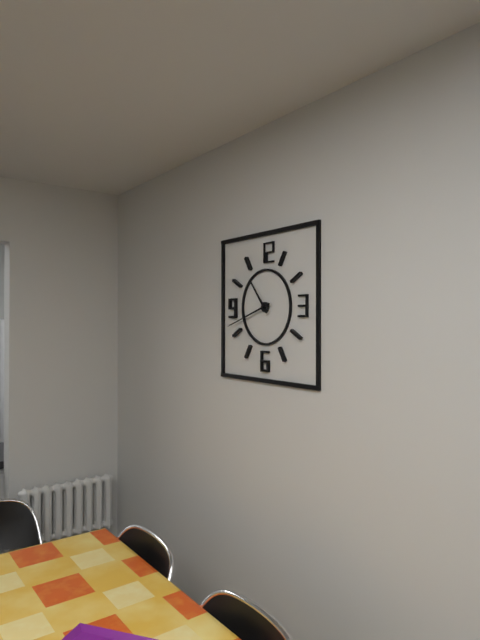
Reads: 10:42
